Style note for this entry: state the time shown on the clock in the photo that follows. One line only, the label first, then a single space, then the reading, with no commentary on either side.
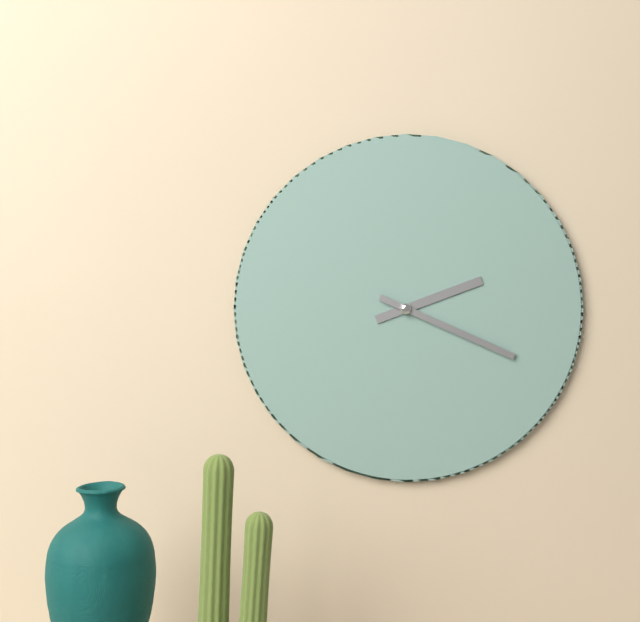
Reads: 2:19
